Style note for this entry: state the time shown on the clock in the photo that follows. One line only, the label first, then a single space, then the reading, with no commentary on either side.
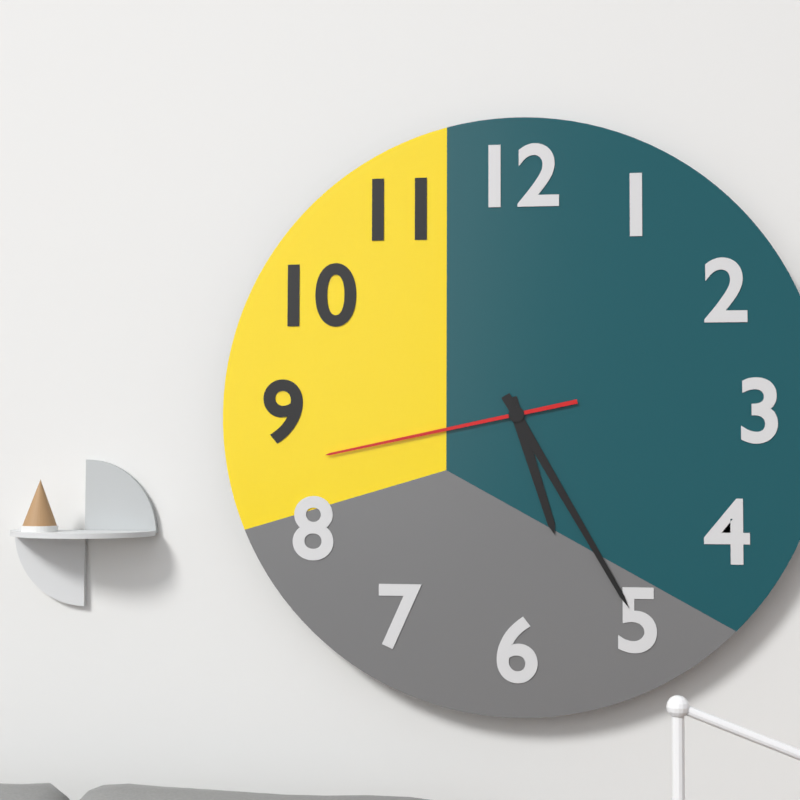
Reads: 5:25:43
